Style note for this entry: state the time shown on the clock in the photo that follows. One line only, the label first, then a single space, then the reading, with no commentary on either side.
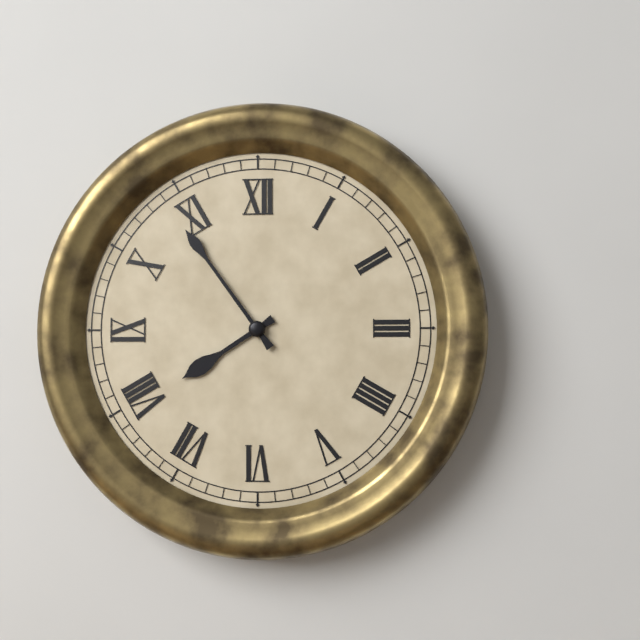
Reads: 7:54
